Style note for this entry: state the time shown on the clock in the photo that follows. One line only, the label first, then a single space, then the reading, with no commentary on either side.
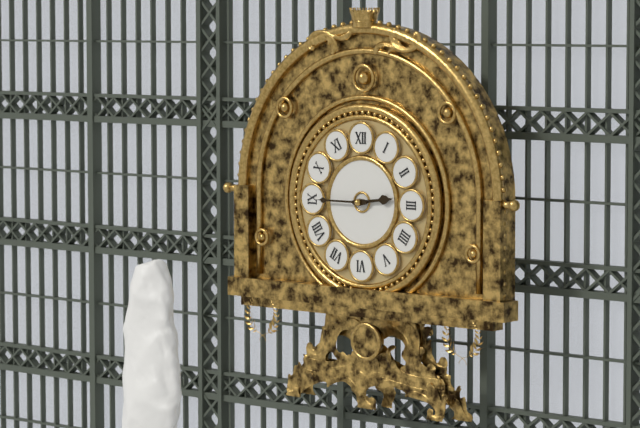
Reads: 2:45
